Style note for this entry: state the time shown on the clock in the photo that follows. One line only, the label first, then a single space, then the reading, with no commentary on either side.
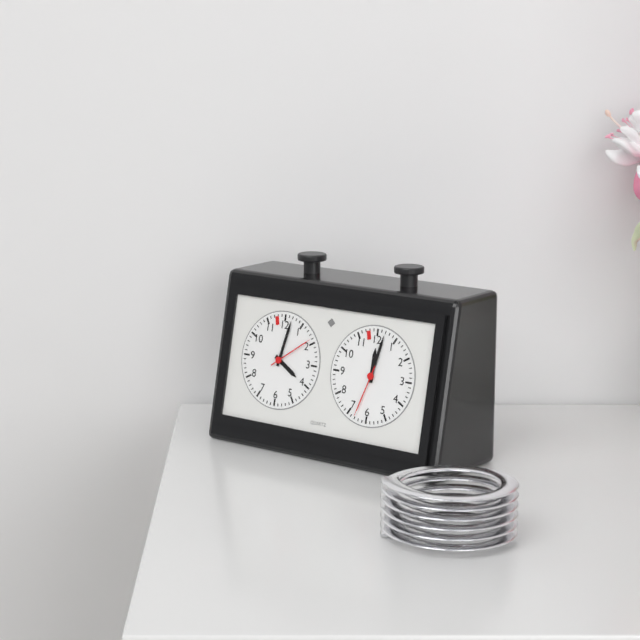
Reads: 4:02
